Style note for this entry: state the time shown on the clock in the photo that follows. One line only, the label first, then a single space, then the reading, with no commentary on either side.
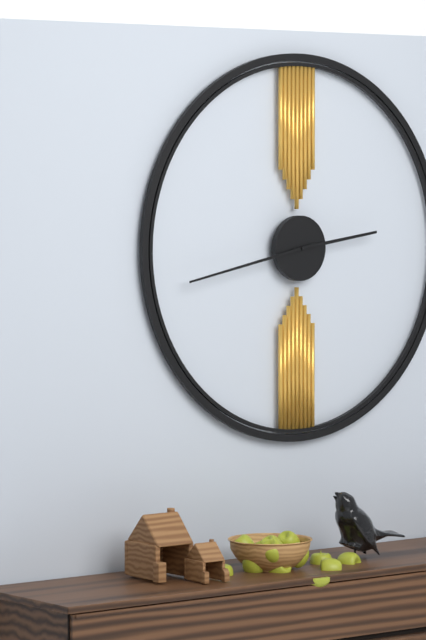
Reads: 2:43
